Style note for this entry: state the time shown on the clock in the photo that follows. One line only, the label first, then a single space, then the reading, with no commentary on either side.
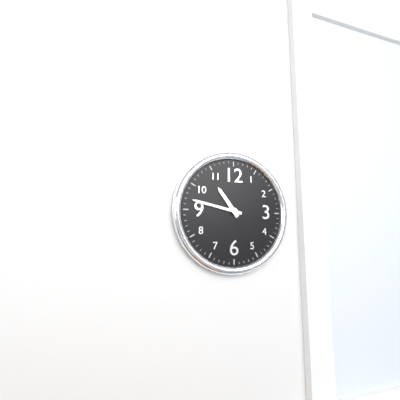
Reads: 10:47
